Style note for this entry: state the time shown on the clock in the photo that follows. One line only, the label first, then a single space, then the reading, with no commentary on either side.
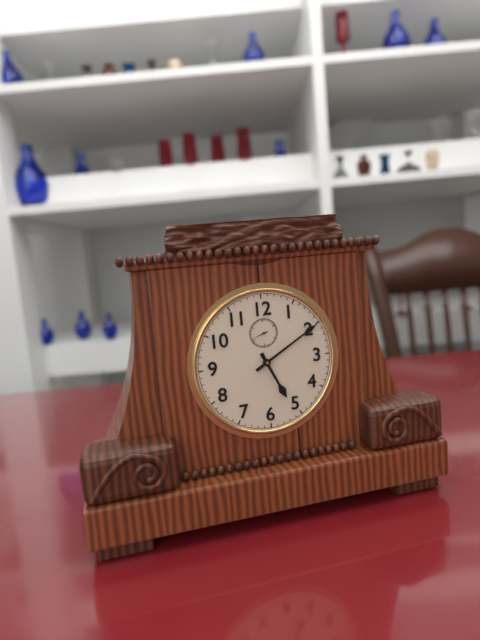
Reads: 5:10
